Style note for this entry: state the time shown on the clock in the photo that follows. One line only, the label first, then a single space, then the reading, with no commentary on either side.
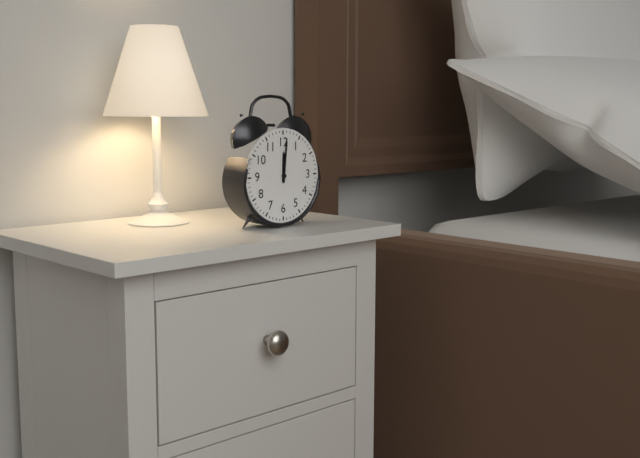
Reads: 12:01
